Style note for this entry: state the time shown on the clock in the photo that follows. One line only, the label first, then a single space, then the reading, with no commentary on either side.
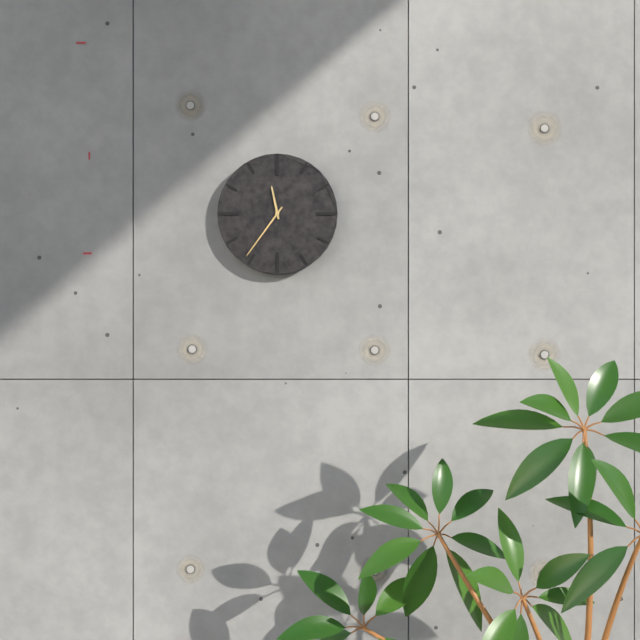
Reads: 11:36
